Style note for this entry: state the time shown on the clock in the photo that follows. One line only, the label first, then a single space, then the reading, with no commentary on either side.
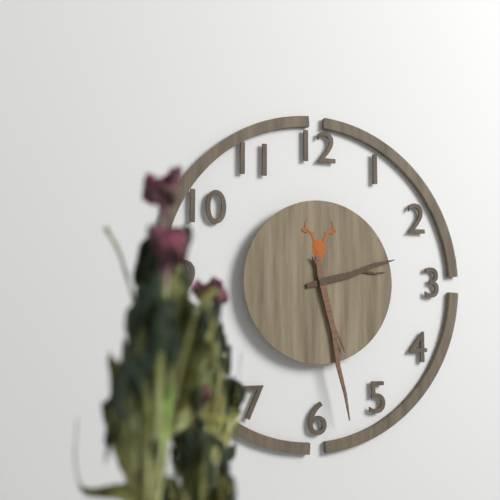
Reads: 2:28
